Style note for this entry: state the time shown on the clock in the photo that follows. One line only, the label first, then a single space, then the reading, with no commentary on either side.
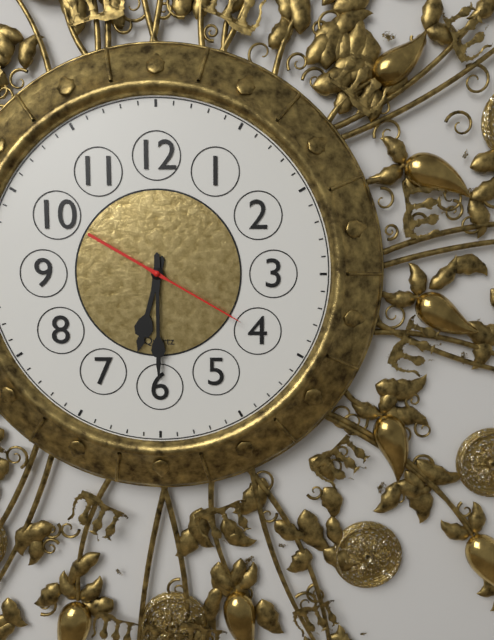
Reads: 6:30:20
